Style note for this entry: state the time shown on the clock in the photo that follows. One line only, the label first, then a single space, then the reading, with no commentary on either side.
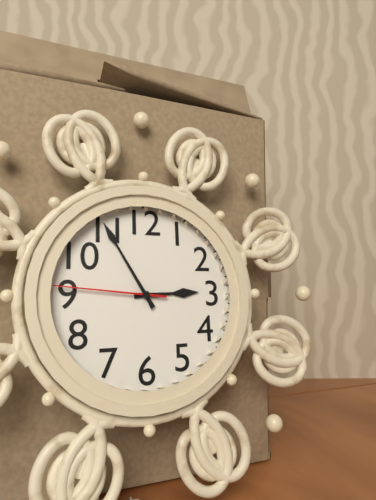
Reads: 2:55:46
